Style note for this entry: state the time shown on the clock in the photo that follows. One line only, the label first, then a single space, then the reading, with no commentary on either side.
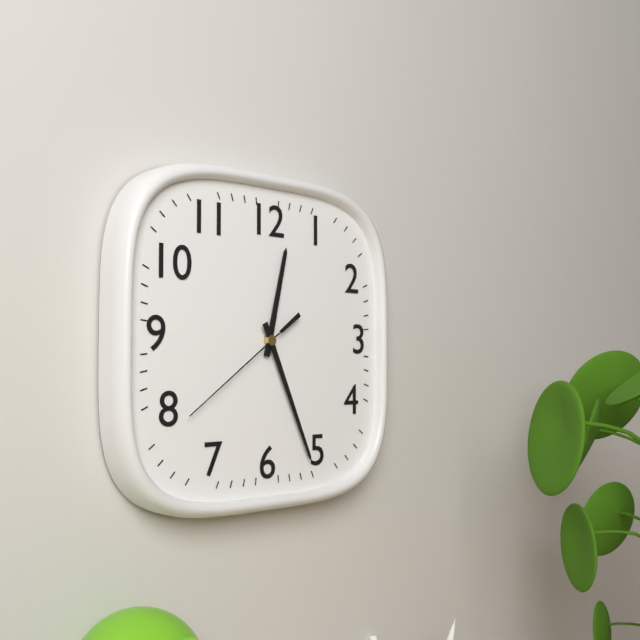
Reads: 12:26:39
